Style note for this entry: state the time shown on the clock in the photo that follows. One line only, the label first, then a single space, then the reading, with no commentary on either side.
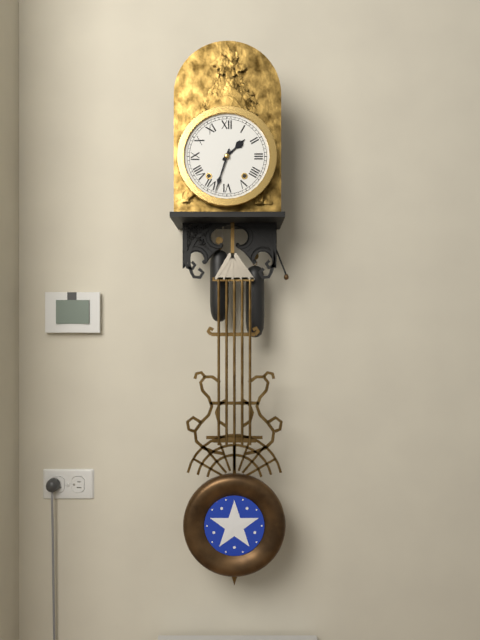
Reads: 1:33
